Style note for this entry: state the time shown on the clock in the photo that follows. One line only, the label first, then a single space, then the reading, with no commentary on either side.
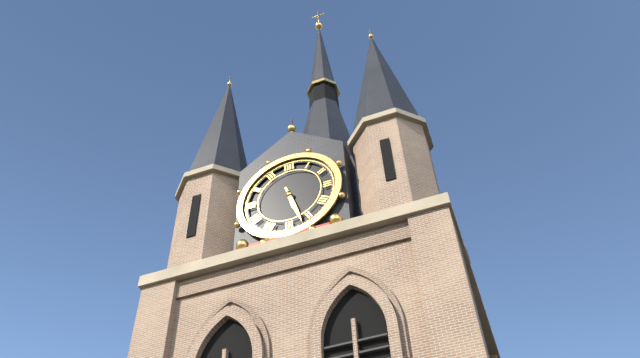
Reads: 5:27
